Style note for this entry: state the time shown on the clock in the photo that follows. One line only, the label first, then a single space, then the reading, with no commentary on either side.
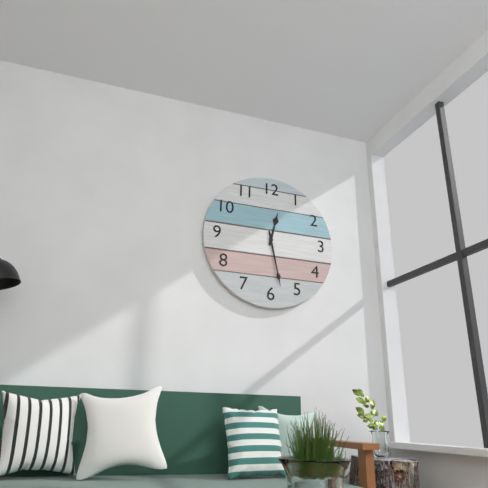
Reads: 12:28
